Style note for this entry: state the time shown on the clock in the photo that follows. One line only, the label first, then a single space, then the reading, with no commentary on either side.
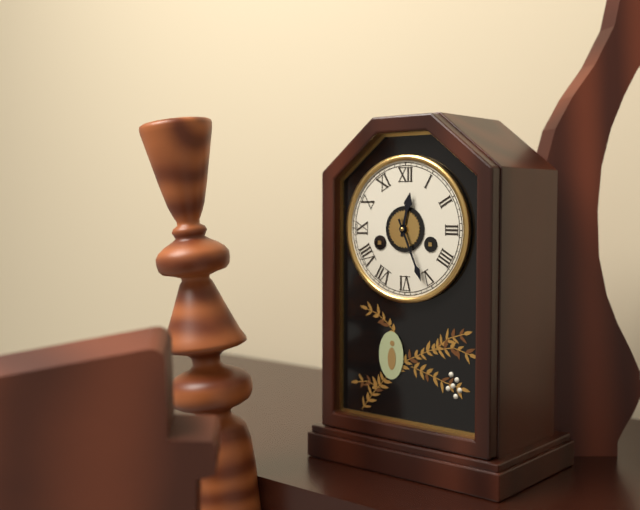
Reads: 12:26
